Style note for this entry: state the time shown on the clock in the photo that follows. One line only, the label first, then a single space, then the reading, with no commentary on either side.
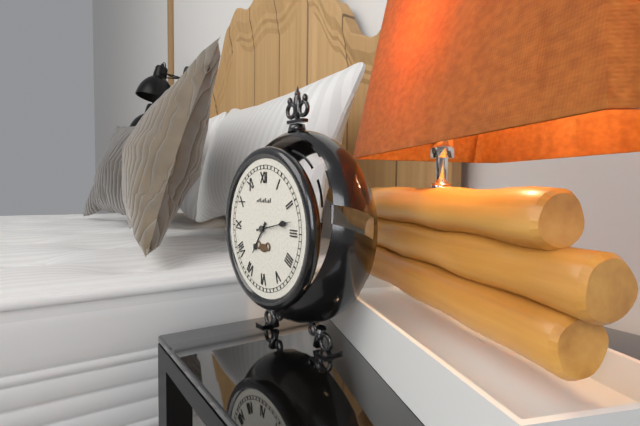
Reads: 7:13
